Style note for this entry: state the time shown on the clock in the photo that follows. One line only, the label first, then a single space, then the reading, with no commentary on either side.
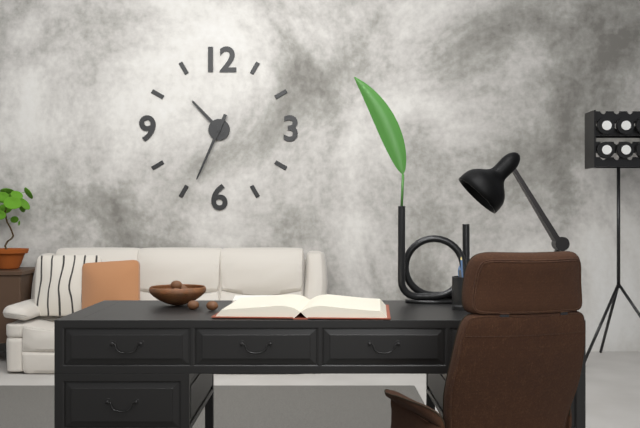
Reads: 10:34
